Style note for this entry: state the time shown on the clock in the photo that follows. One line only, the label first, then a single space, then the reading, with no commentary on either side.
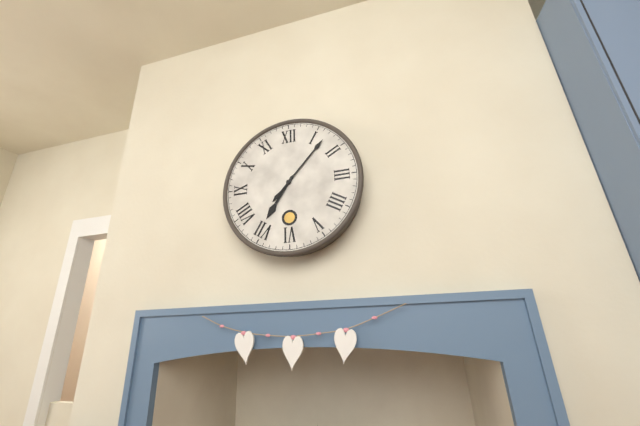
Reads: 7:07
